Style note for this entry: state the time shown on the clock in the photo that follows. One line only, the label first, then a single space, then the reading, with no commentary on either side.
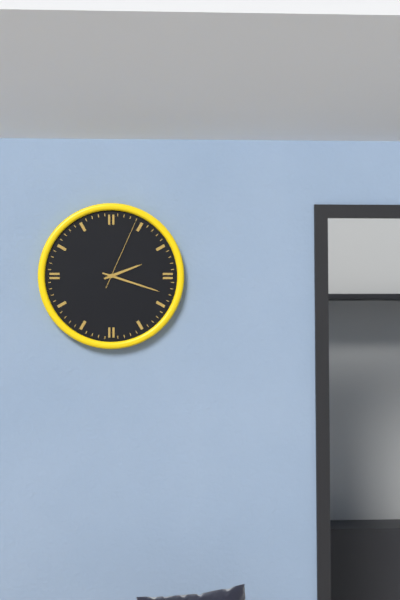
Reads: 2:18:04
